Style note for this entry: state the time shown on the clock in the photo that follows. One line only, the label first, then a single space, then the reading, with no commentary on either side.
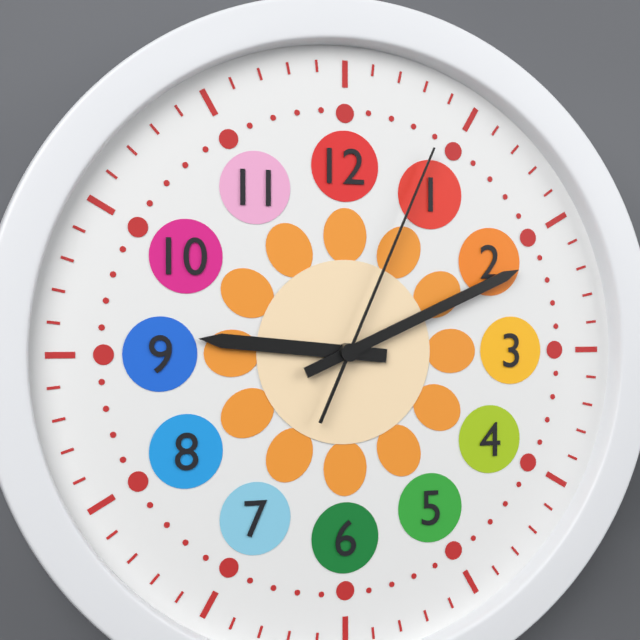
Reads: 9:11:04
